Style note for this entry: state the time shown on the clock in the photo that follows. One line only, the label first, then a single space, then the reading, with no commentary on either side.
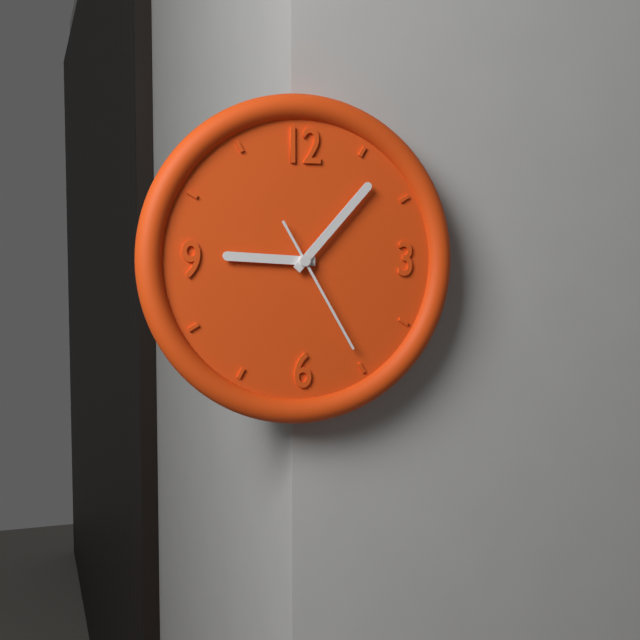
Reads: 9:07:25
